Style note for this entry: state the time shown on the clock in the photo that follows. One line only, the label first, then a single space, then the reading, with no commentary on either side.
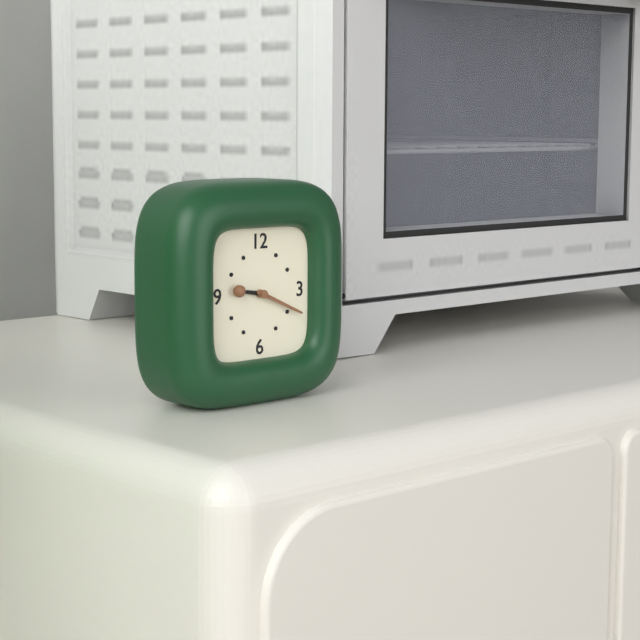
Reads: 9:19
